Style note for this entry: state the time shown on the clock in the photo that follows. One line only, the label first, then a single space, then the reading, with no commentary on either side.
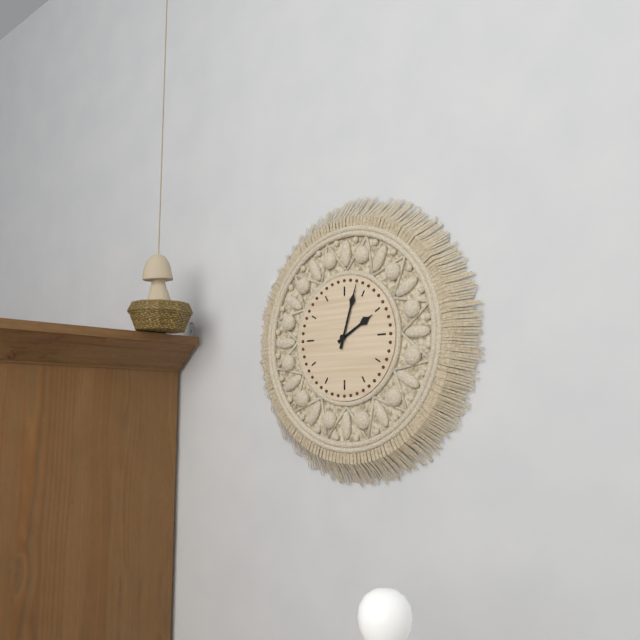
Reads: 2:03
